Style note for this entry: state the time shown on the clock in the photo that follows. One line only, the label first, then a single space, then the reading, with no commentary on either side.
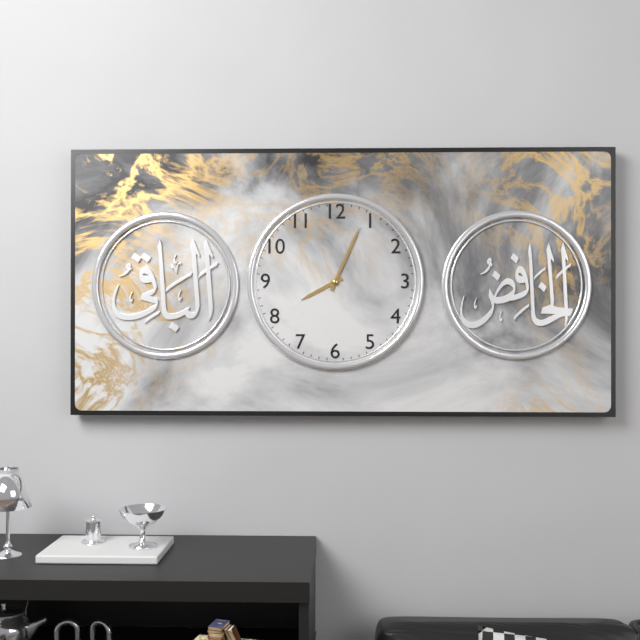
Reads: 8:04
